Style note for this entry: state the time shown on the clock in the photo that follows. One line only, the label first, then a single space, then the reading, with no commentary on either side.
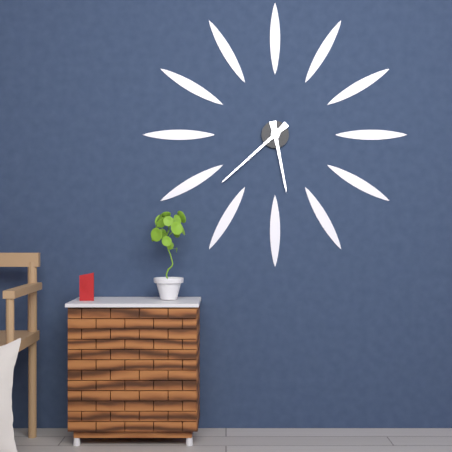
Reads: 5:38
